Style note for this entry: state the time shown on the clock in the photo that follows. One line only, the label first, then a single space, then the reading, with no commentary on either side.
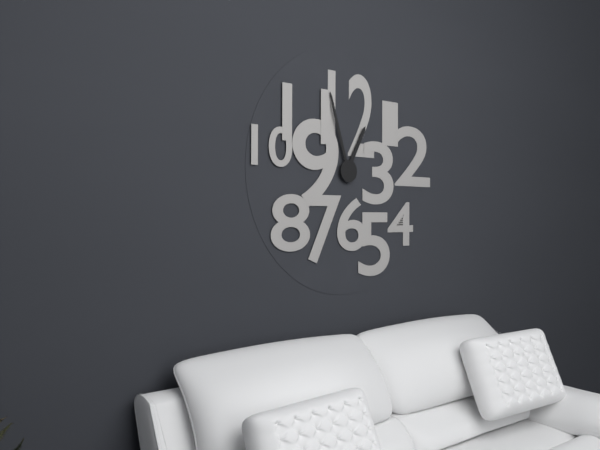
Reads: 12:57
